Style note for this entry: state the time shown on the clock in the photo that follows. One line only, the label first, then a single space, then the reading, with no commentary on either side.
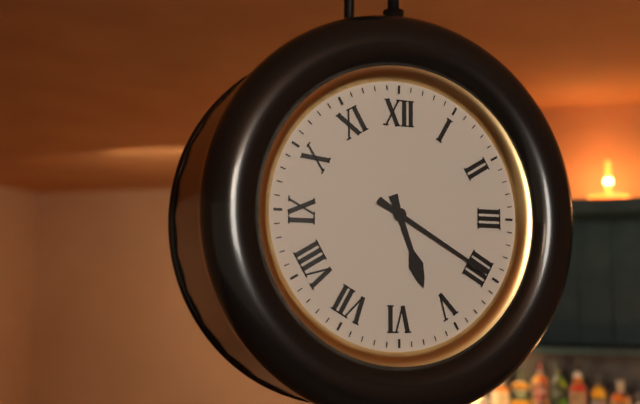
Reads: 5:20
